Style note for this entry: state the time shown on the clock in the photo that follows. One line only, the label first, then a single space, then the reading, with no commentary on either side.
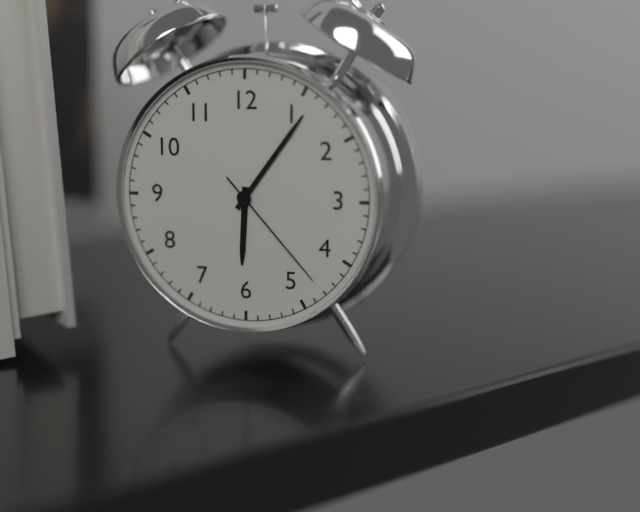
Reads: 6:06:23
